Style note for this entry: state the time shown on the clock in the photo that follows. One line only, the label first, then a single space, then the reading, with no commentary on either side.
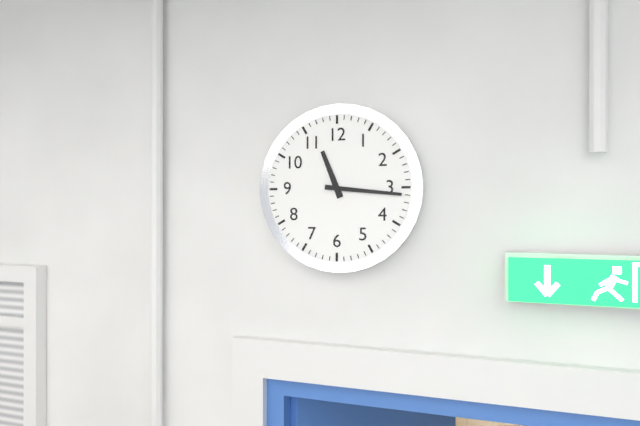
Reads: 11:16
